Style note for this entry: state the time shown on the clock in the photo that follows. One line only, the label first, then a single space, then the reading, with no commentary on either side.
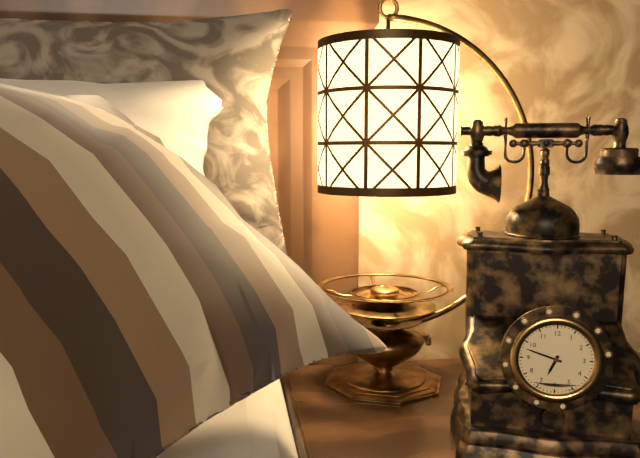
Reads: 6:48
